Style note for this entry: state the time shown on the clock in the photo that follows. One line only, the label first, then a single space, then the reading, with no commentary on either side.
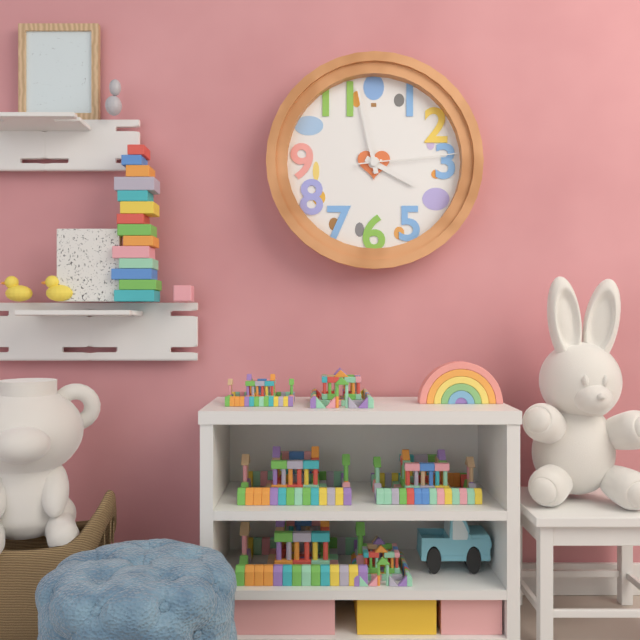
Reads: 3:58:14
